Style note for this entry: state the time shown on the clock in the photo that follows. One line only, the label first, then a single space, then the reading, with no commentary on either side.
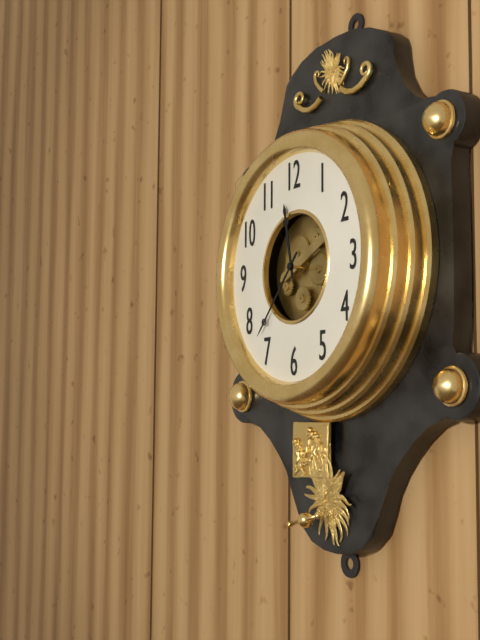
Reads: 11:37
